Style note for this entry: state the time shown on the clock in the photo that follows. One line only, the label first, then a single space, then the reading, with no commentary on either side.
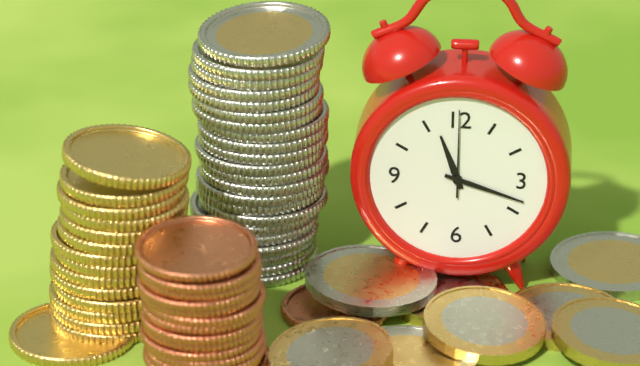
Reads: 11:18:00
